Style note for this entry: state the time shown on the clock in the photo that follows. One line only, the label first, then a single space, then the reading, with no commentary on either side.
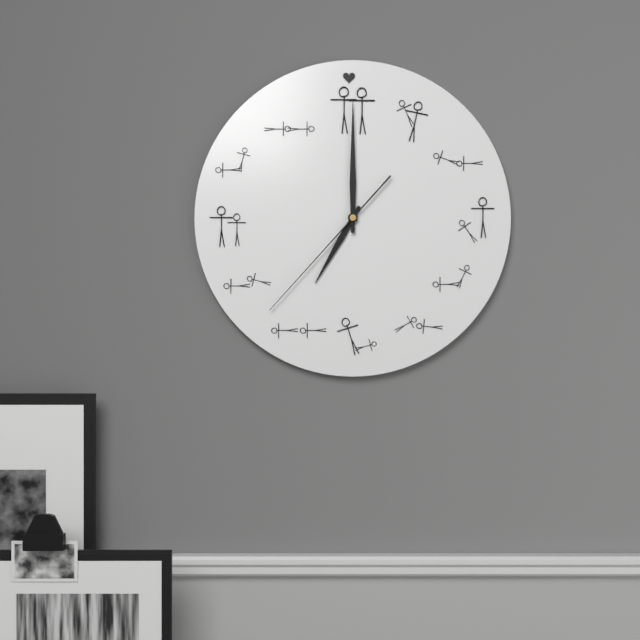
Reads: 7:00:37
